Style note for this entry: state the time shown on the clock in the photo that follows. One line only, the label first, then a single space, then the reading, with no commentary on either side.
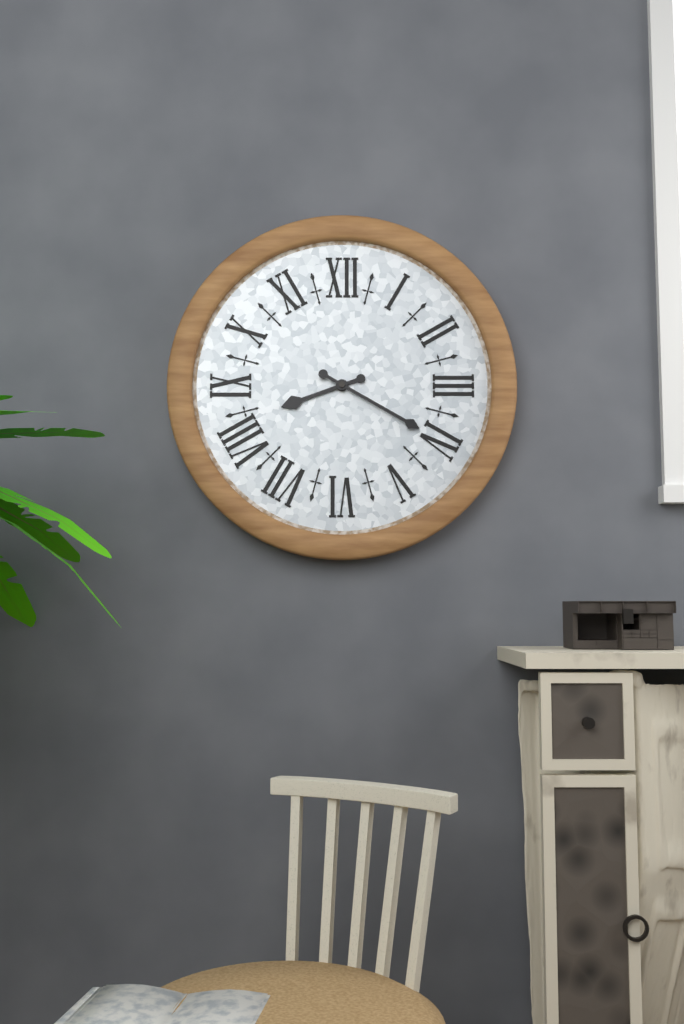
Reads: 8:20
